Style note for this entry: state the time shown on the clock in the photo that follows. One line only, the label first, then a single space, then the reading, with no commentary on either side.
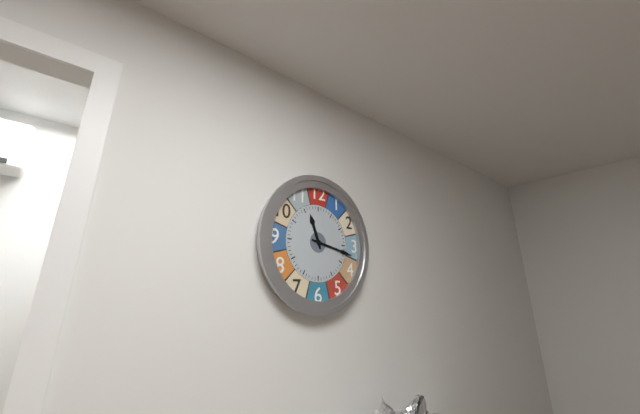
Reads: 11:17
